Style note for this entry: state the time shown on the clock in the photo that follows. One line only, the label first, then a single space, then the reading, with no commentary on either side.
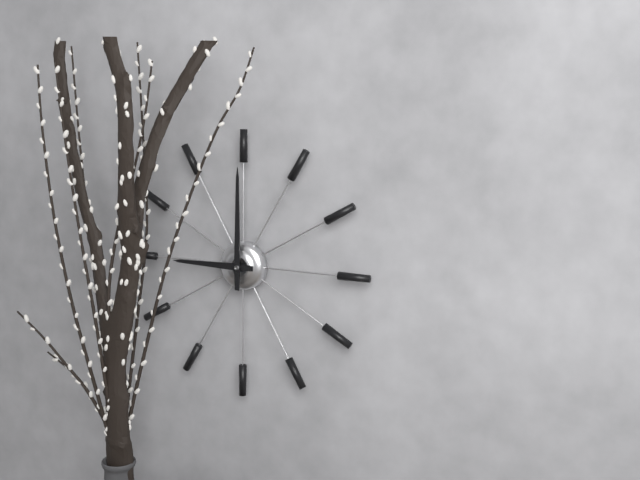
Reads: 9:00
